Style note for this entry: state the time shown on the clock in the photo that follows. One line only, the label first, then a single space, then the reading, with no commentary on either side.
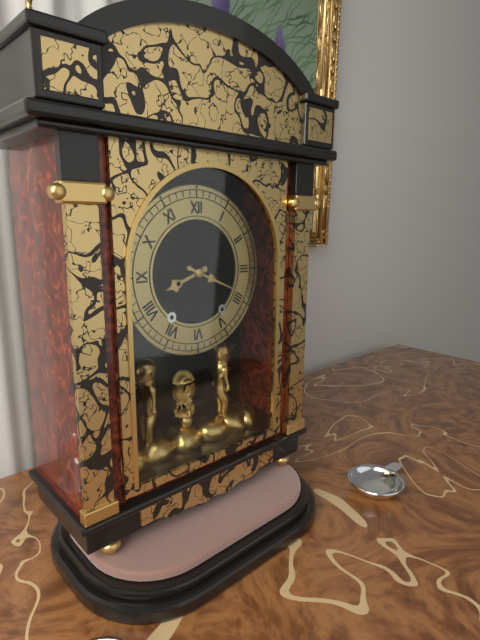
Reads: 8:19
